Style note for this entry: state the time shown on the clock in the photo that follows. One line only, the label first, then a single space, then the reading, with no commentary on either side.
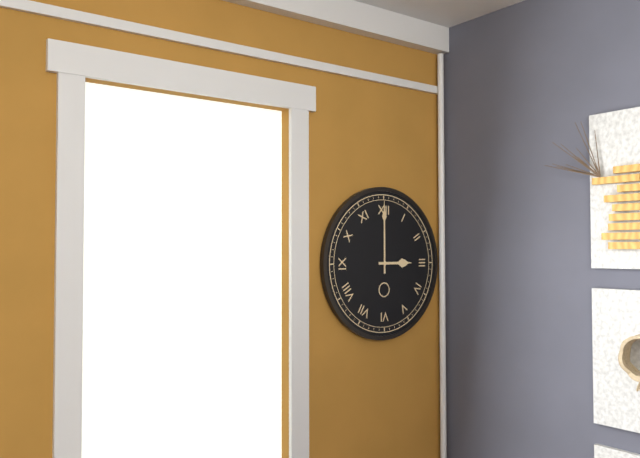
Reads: 3:00
